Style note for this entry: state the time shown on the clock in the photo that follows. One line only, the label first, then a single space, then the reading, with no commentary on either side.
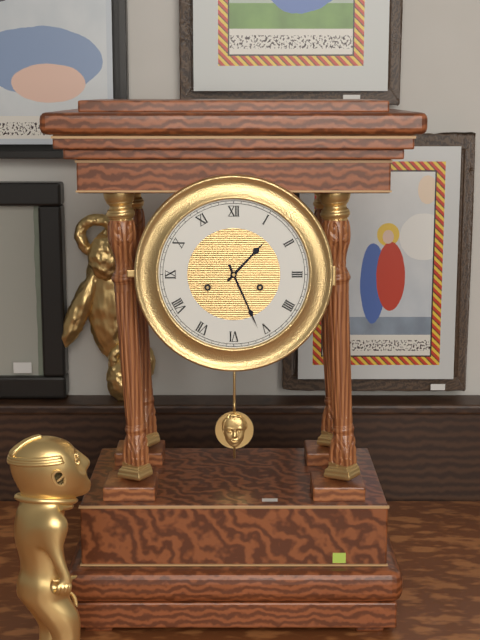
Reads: 1:26
